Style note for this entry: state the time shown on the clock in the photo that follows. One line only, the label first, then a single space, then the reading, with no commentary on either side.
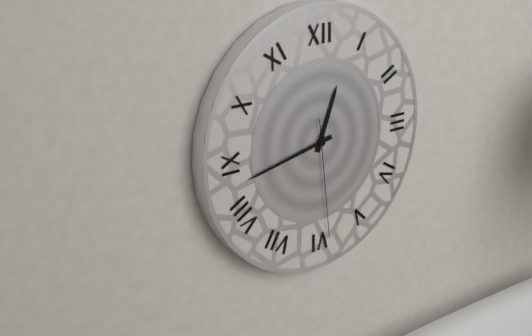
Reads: 12:43:29
